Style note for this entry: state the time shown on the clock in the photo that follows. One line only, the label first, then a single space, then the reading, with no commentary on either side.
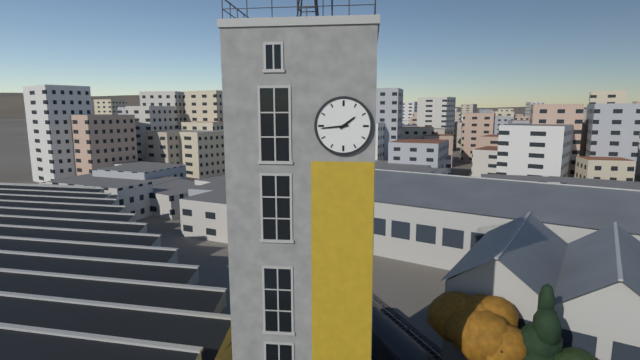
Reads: 1:44
